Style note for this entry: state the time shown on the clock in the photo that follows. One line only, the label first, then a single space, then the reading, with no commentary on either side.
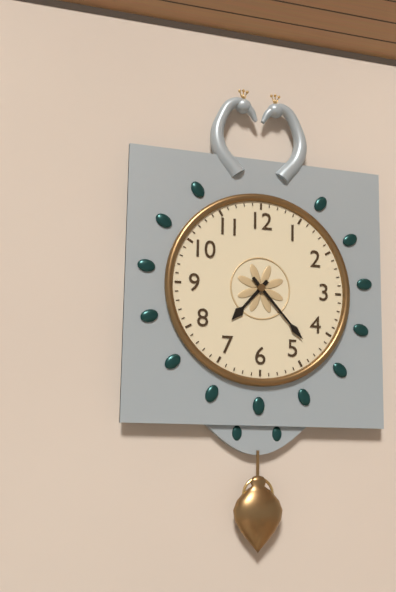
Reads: 7:23
